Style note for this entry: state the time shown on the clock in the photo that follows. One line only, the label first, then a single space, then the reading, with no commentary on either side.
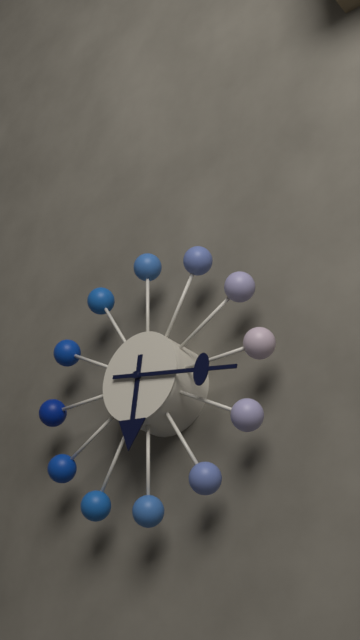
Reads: 6:17
